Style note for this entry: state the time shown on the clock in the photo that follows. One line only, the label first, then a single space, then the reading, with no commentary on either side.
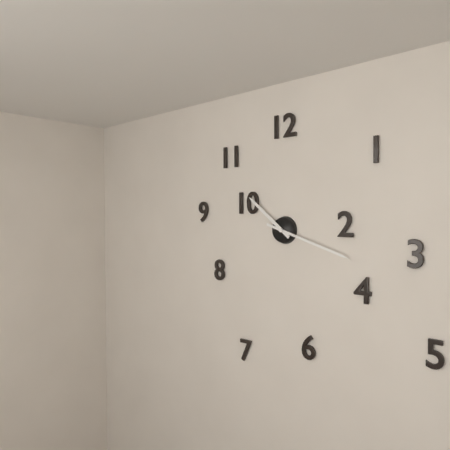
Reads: 10:18
